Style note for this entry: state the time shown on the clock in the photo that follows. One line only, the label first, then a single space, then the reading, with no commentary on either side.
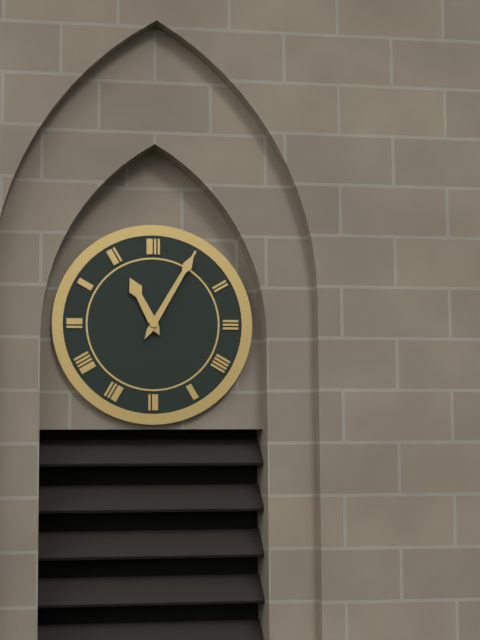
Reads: 11:05
